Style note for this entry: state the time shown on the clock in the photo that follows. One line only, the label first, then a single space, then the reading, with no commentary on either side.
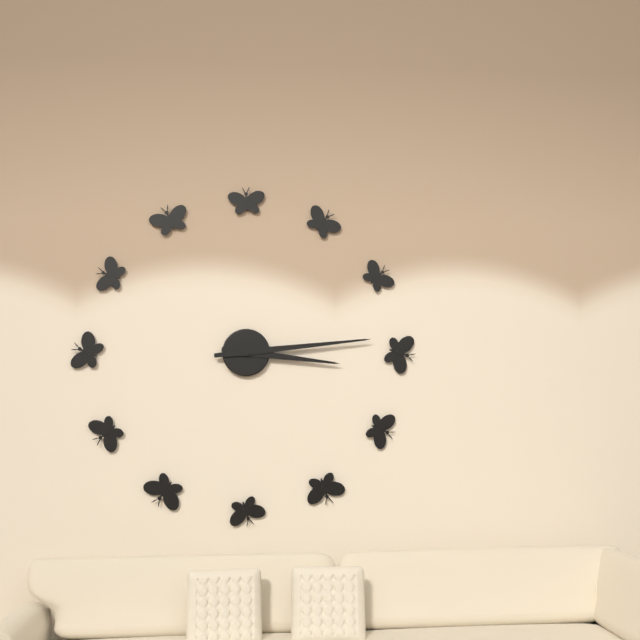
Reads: 3:14
